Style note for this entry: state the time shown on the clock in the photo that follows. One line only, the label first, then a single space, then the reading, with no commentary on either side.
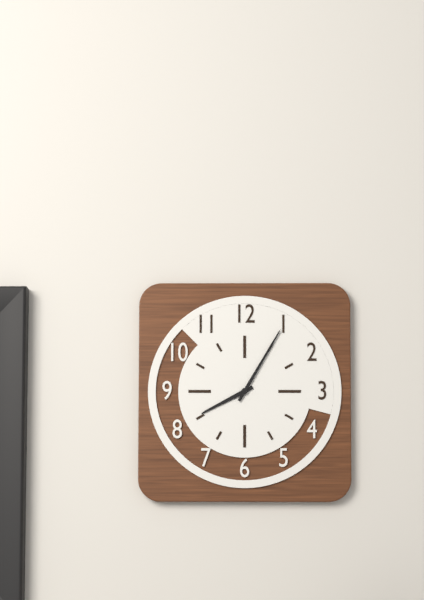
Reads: 8:05
